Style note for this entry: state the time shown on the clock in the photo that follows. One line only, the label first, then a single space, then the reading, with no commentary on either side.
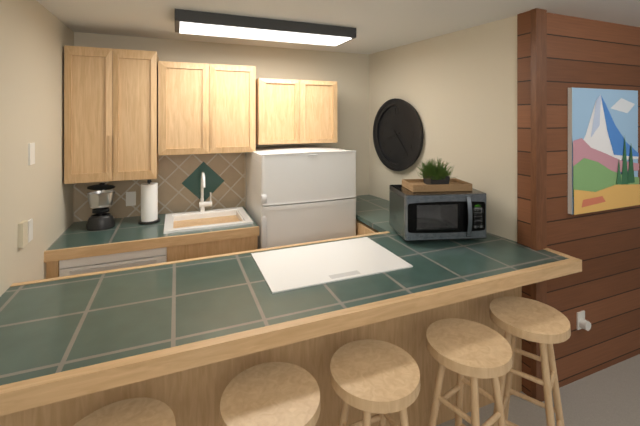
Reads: 8:23
